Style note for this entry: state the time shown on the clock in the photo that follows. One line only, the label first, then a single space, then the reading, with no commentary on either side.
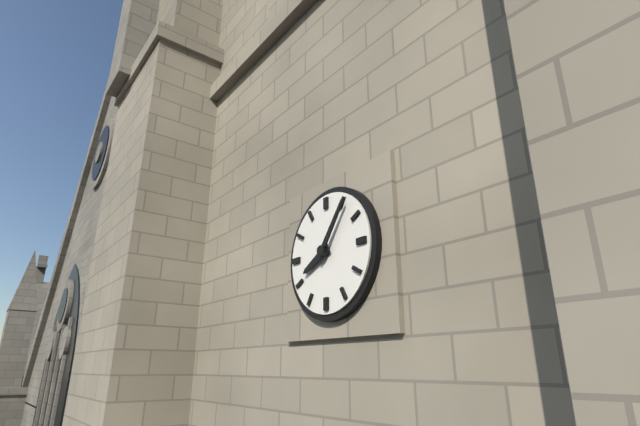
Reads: 8:06
